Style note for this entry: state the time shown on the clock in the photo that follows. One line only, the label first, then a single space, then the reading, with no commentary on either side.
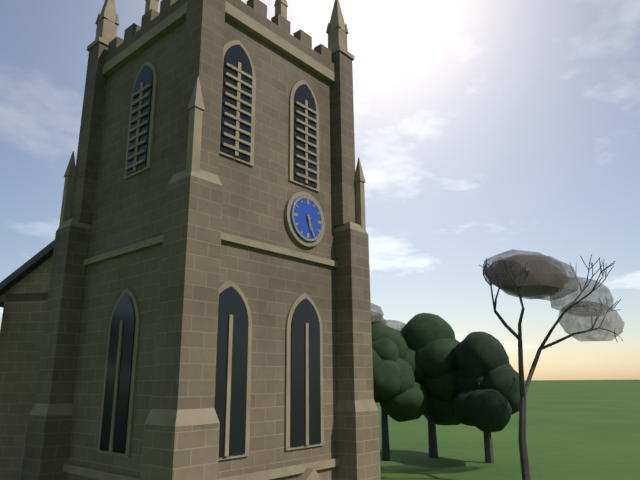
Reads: 5:26
